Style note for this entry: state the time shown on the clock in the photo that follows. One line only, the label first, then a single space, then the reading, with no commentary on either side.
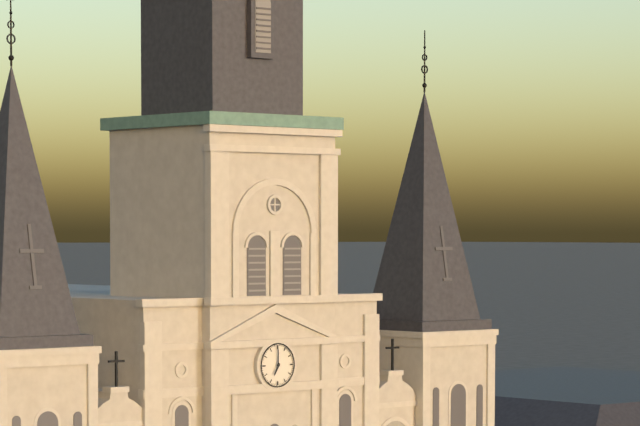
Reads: 7:00
